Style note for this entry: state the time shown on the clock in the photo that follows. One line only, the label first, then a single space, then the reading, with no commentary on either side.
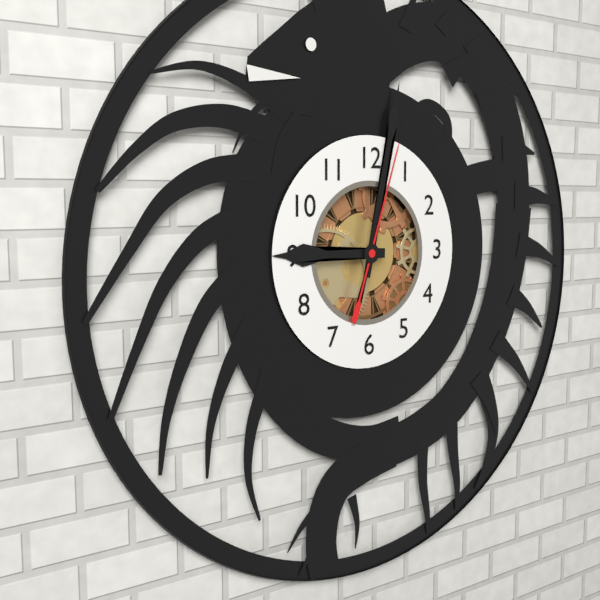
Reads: 9:02:03
